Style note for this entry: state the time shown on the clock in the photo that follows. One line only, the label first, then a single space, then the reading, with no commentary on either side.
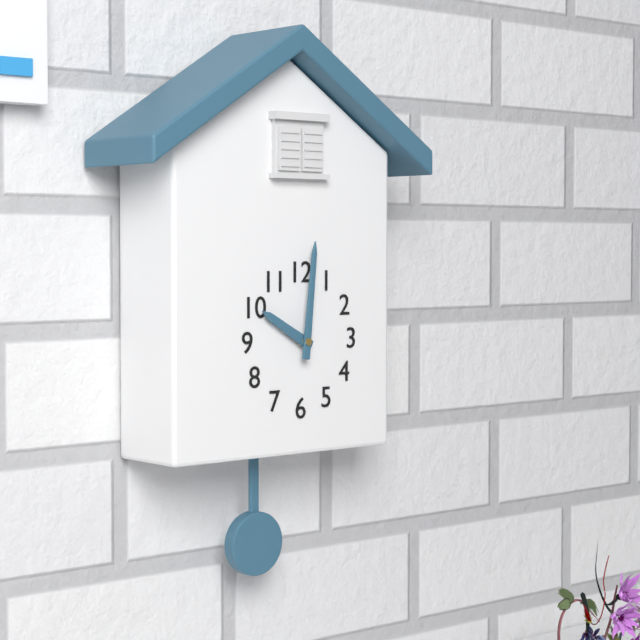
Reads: 10:01
